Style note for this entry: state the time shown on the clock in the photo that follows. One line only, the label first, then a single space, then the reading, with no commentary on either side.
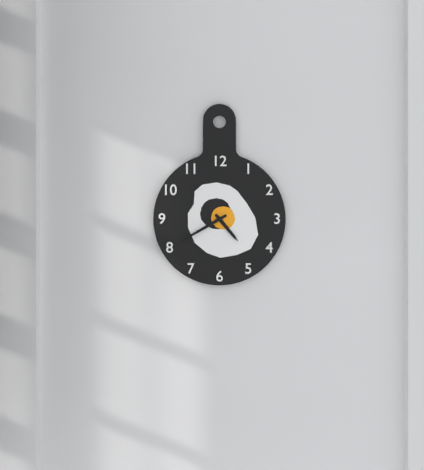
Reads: 4:40
